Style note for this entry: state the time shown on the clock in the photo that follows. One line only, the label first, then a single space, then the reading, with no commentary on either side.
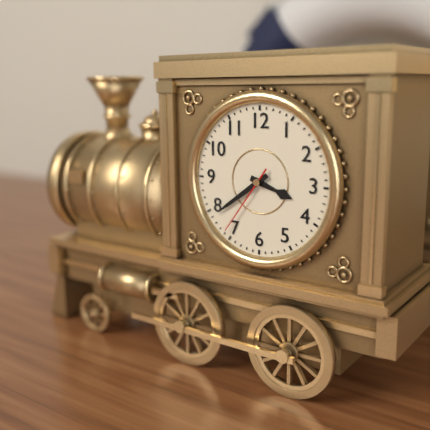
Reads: 3:39:36
